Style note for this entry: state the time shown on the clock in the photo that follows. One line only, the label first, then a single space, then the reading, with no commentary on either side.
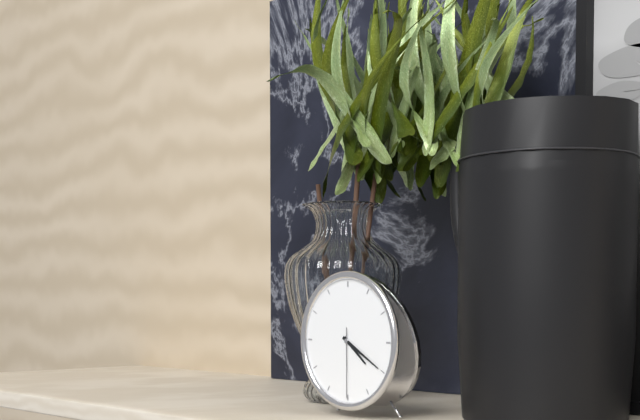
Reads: 4:20:30
